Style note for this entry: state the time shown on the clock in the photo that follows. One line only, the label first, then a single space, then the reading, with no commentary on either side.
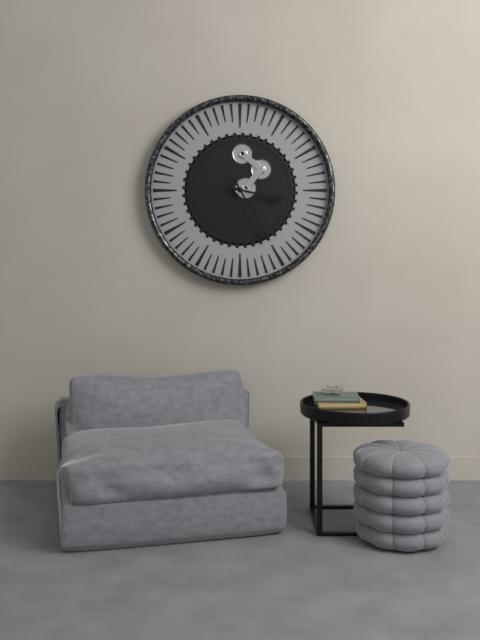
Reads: 3:25
